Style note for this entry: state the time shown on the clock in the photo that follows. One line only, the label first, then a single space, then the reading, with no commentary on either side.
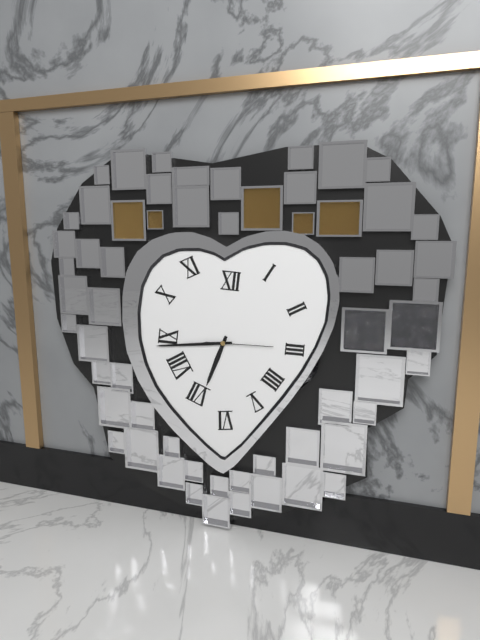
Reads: 6:44:15
